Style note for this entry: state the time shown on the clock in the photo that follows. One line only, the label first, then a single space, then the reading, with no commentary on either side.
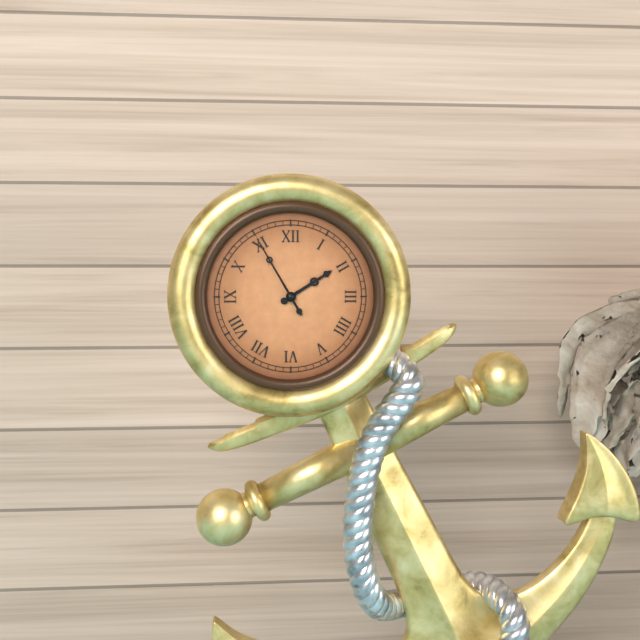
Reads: 1:55
